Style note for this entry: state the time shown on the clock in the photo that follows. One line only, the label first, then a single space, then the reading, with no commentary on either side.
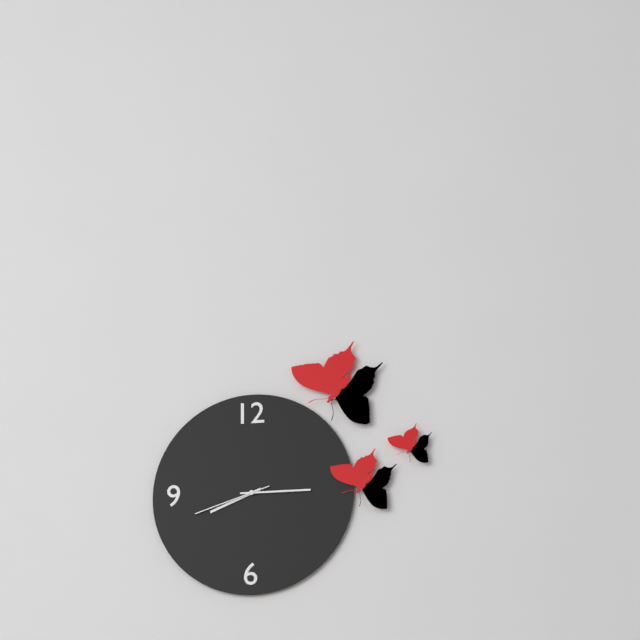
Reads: 8:15:42
